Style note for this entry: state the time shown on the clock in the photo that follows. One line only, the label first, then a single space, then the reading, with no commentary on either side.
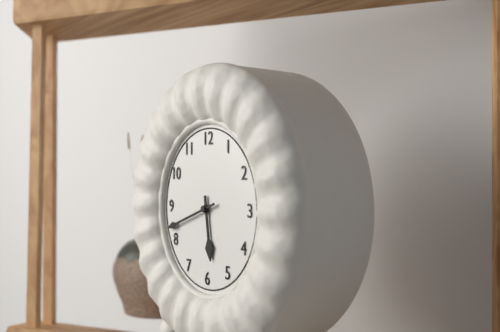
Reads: 5:42
